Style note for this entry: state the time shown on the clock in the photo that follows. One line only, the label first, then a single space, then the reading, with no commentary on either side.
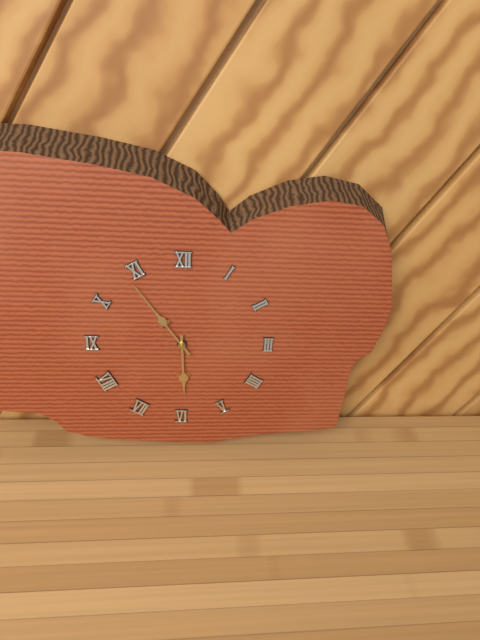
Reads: 5:54
